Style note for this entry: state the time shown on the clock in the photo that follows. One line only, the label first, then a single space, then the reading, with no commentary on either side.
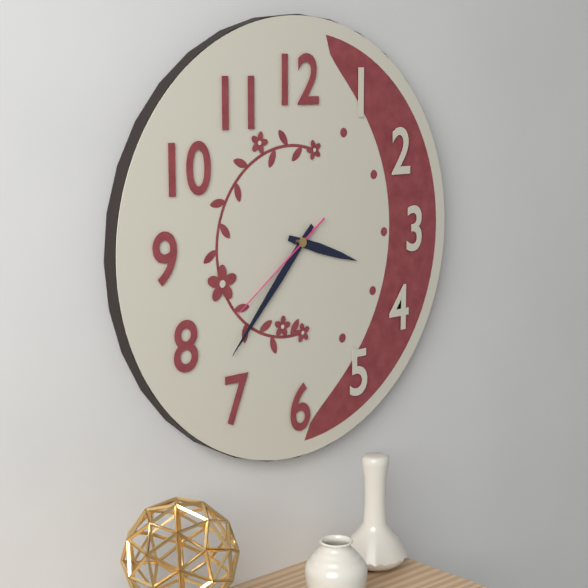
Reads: 3:37:39
